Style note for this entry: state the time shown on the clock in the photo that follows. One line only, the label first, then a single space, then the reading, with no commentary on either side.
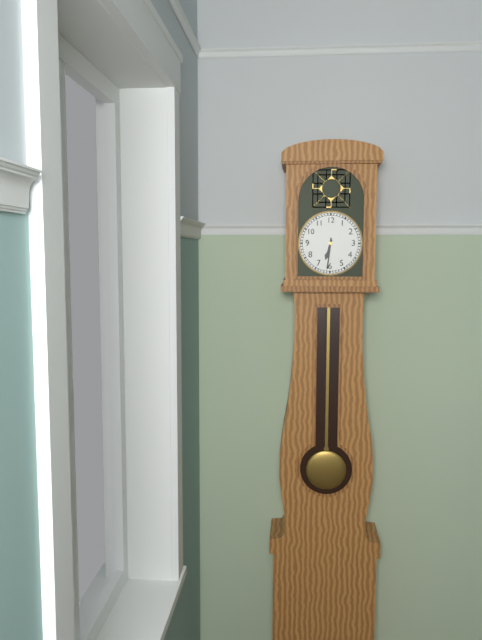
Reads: 6:31
